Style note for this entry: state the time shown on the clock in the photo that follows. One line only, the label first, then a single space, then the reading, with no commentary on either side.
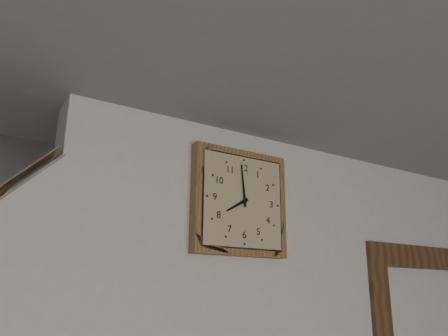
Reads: 7:59
